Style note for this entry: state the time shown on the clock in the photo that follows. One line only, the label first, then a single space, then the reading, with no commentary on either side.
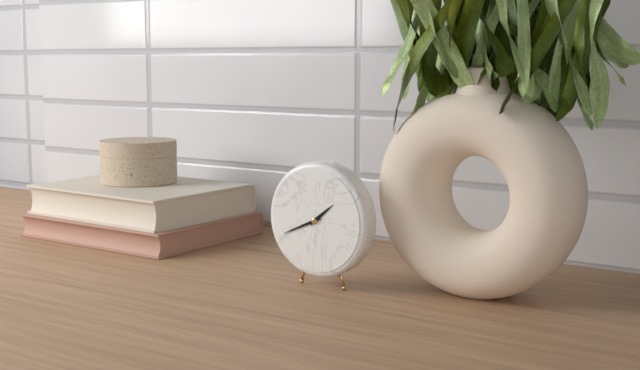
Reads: 1:41
